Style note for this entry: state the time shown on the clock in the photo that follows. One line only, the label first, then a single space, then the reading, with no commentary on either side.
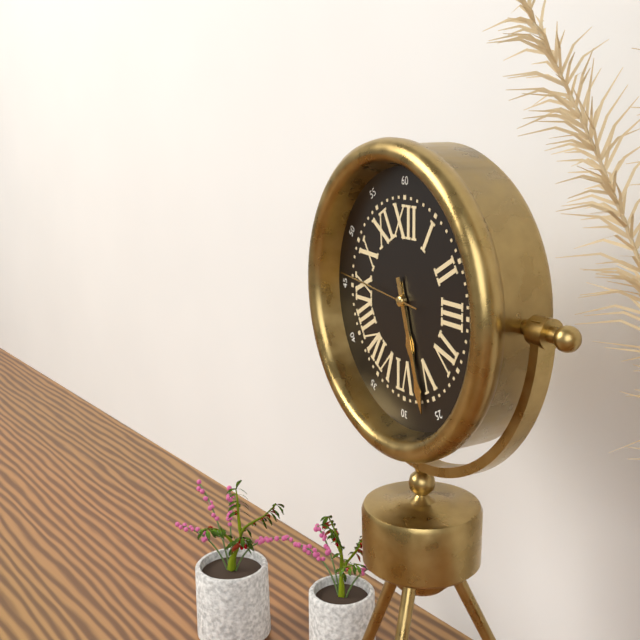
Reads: 5:27:46
